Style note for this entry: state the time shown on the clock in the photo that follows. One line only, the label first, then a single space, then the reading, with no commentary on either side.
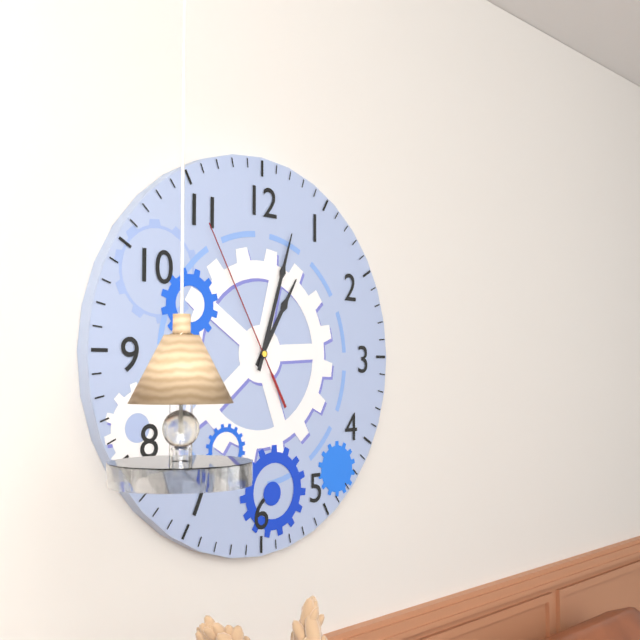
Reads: 1:03:55
